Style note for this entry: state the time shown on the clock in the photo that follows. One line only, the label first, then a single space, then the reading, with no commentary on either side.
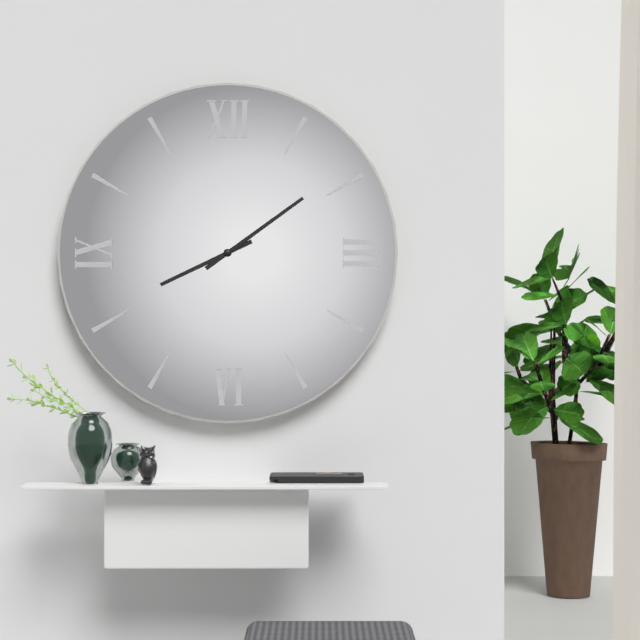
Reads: 8:09
